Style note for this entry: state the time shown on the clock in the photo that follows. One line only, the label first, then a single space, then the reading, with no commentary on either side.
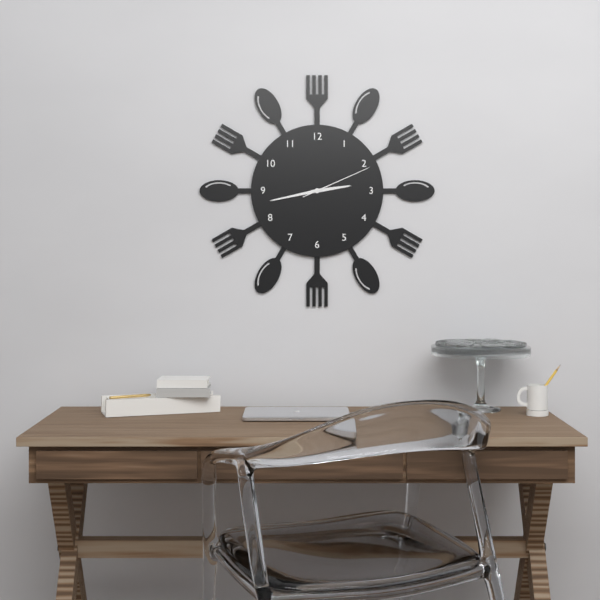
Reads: 2:43:11
